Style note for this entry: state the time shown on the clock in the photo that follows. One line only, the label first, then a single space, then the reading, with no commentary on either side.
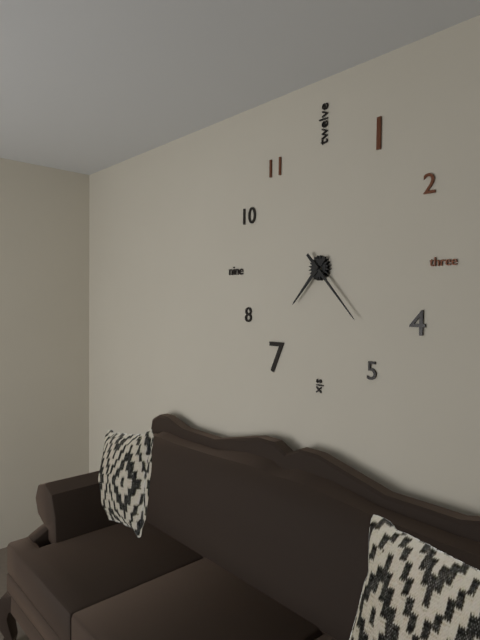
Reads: 7:23
